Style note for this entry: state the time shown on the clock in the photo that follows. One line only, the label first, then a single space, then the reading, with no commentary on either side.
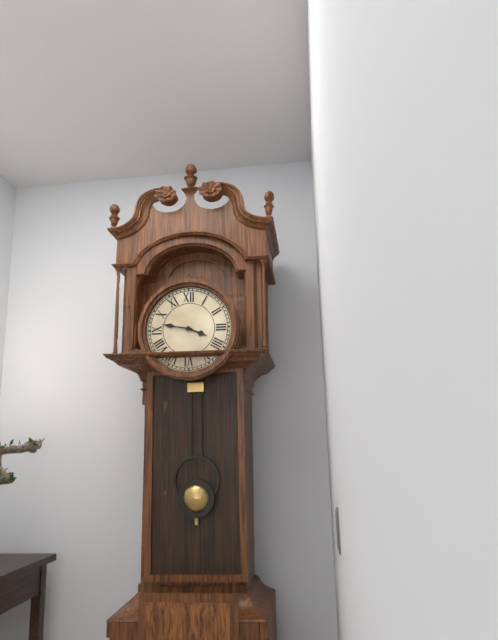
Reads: 3:47
